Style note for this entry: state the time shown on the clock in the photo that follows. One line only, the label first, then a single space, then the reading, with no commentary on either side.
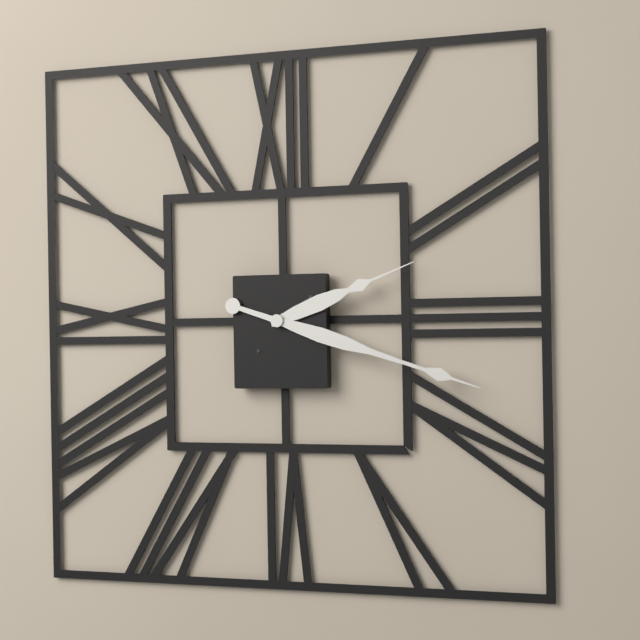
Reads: 2:18
